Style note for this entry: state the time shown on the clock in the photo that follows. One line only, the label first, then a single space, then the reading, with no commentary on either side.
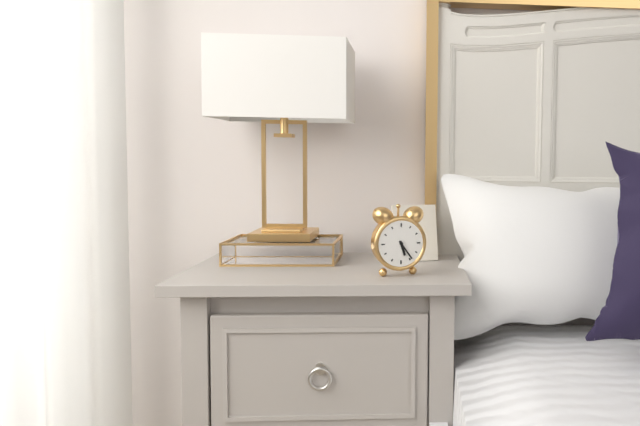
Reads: 5:24
